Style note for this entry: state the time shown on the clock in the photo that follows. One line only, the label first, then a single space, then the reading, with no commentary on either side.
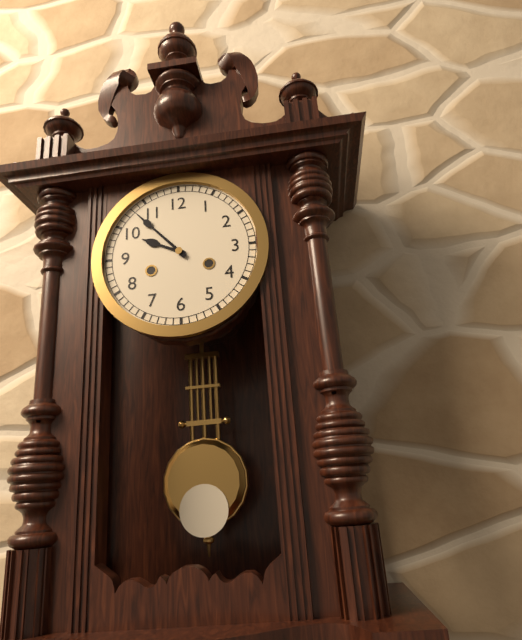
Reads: 9:53
